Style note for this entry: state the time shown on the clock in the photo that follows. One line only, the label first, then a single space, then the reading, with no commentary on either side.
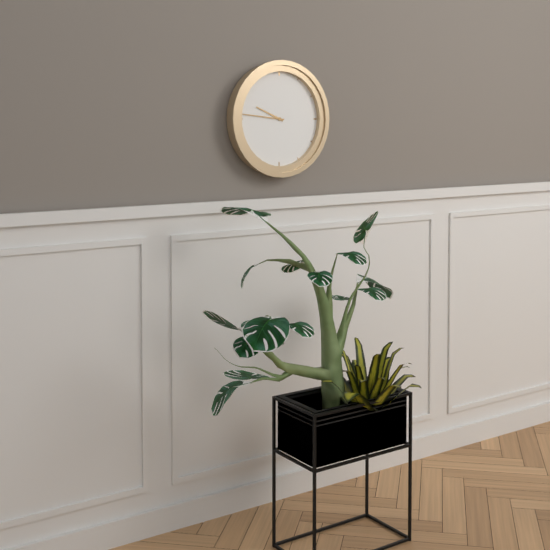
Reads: 9:46
